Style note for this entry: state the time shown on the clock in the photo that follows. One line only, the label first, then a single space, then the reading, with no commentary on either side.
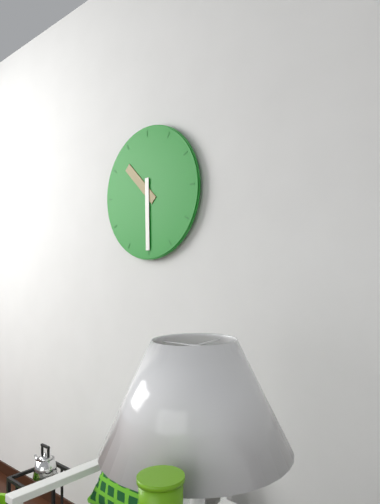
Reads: 10:30
